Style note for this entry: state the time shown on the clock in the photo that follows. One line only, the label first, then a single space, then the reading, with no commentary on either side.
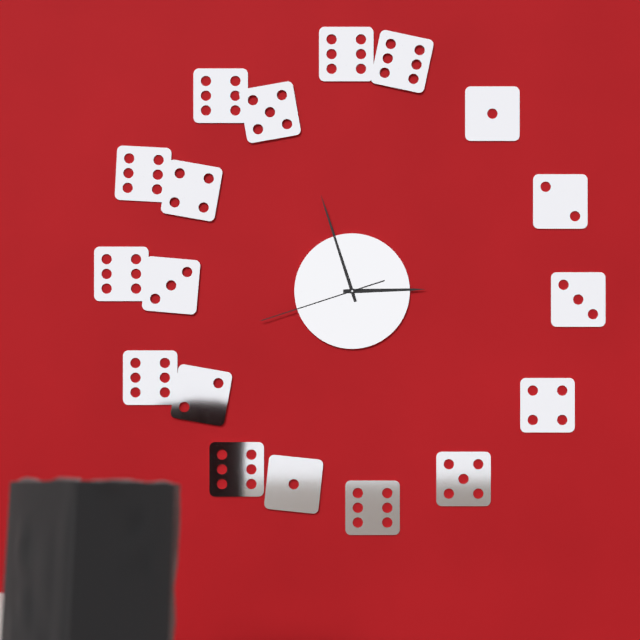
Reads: 2:57:42
